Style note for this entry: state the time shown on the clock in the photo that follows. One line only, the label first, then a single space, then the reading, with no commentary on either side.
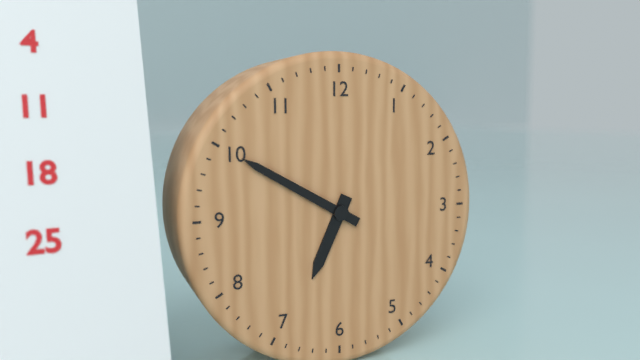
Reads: 6:50
